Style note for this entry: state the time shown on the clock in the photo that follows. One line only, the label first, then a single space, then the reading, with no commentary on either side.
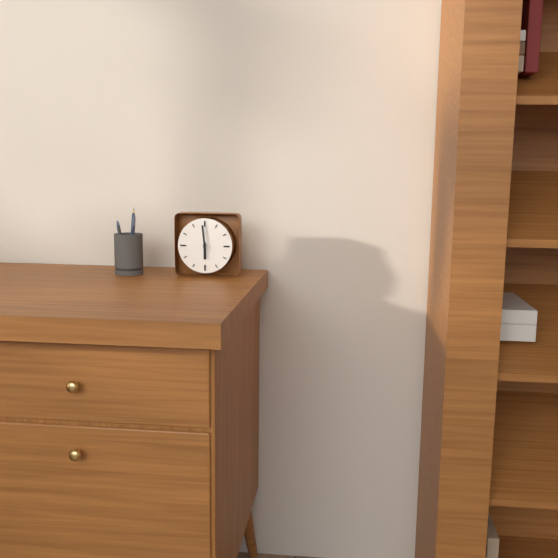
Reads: 5:59
